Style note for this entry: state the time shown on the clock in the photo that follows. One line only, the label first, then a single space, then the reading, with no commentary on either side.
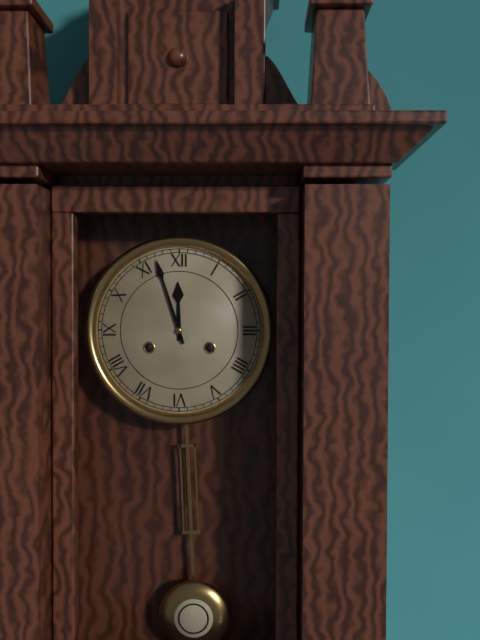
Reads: 11:57
